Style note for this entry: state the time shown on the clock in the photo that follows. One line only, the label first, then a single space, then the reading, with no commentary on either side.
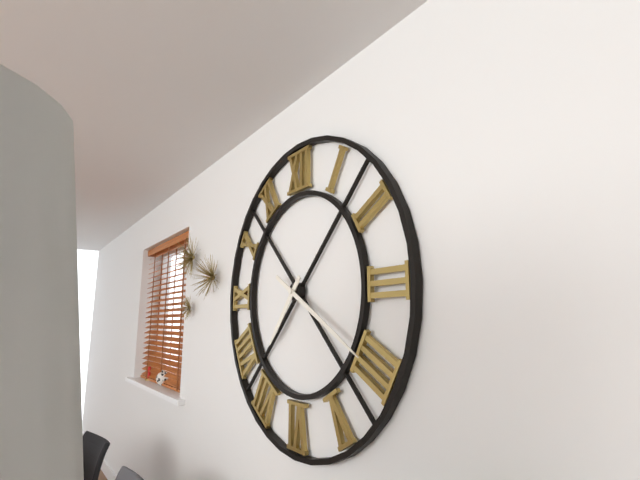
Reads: 7:20
